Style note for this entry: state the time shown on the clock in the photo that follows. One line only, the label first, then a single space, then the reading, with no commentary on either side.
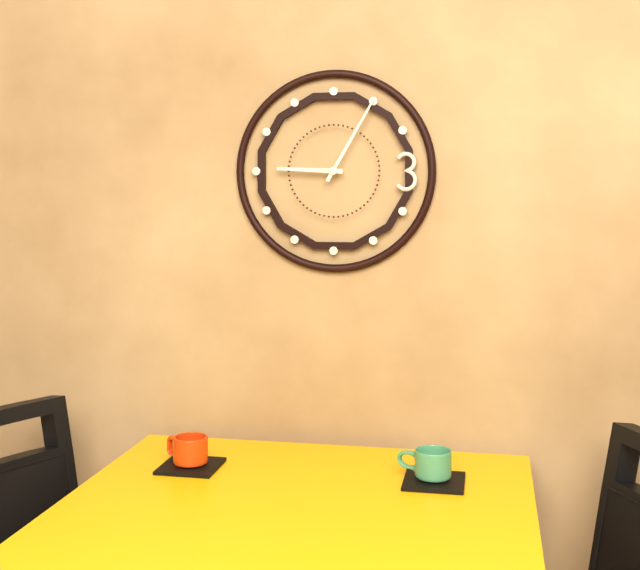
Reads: 9:05
